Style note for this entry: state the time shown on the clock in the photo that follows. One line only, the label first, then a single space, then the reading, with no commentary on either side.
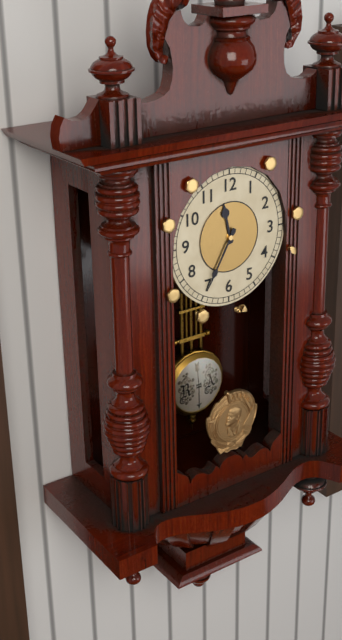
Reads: 11:35
